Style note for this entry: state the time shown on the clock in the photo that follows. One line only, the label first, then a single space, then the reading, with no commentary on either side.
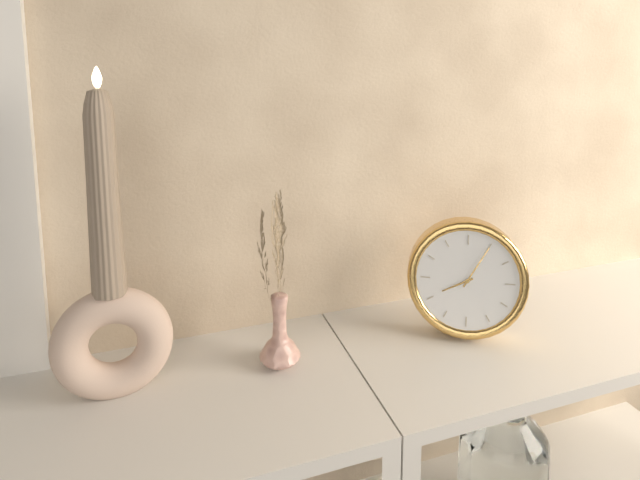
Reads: 8:05
